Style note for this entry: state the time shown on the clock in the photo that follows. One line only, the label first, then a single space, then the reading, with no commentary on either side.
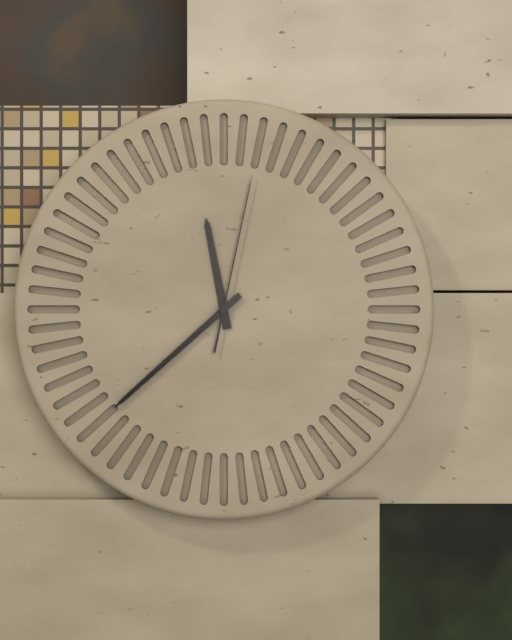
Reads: 11:38:02
